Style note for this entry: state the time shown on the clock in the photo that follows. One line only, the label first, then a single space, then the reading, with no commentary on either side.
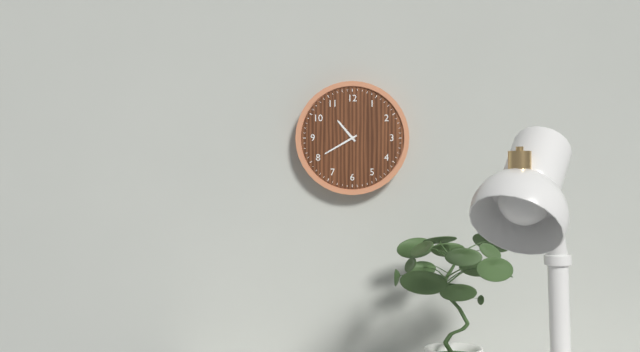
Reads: 10:40
